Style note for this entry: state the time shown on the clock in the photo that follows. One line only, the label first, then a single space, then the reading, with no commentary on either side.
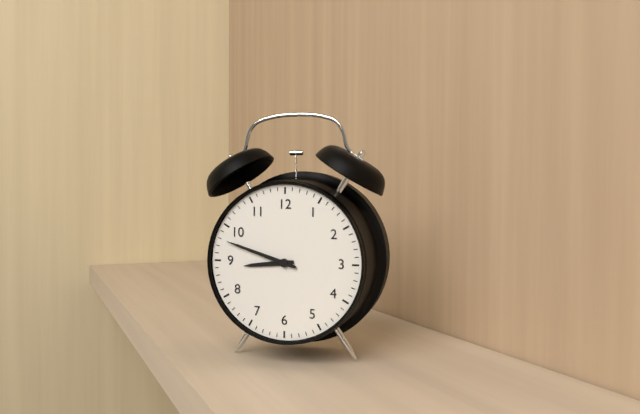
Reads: 8:48
